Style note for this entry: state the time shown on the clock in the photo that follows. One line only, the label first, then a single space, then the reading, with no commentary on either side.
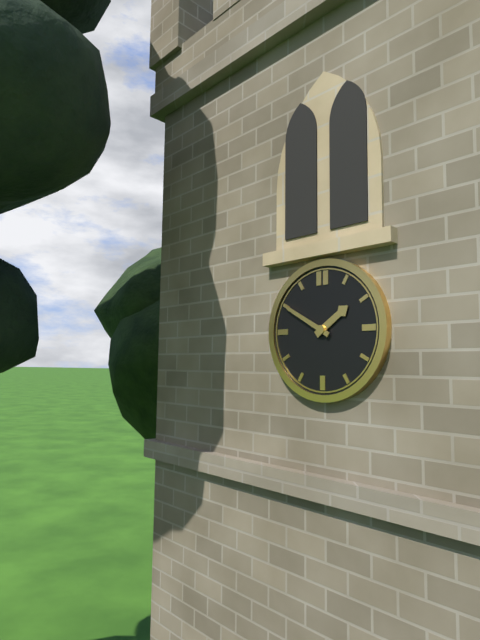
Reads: 1:50
